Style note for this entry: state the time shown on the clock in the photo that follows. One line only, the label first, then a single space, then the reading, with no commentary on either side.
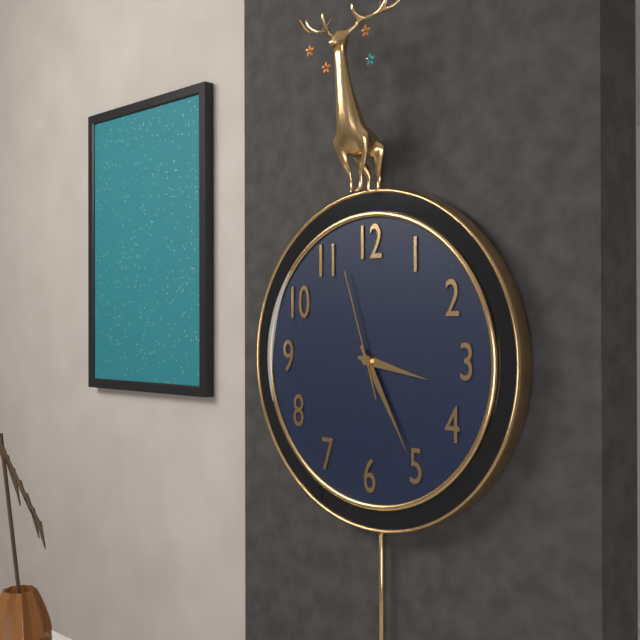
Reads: 3:25:57
